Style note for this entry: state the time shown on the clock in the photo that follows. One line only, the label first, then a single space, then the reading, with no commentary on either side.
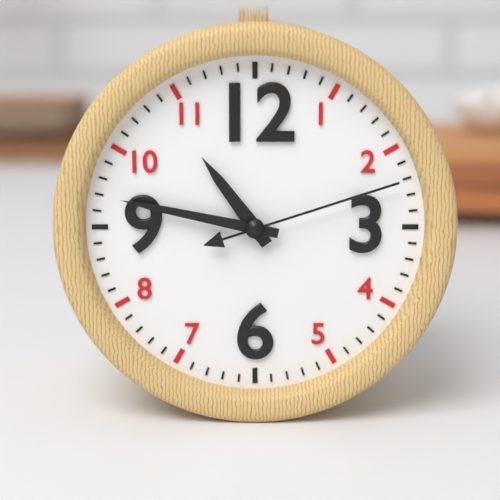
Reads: 10:47:12
